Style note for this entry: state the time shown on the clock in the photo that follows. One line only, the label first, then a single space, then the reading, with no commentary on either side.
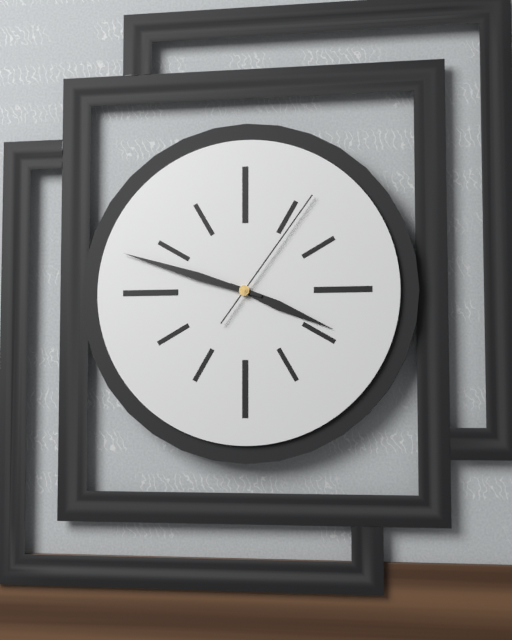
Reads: 3:48:06
